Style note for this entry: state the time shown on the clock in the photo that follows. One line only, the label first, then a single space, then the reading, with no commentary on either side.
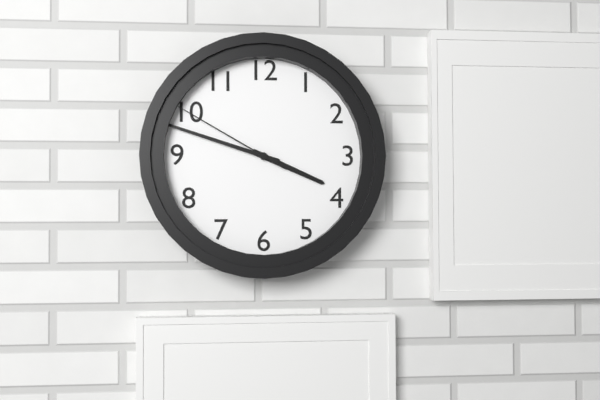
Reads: 3:48:50
